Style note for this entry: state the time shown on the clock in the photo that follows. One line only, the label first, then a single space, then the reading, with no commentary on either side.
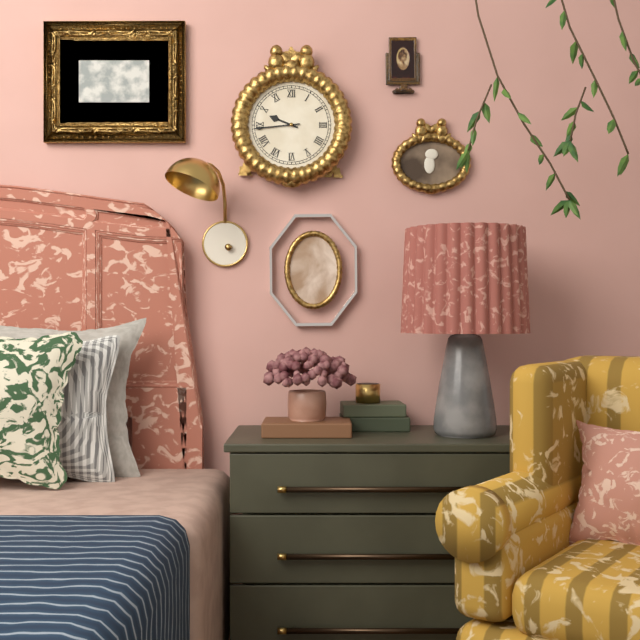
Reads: 9:44
